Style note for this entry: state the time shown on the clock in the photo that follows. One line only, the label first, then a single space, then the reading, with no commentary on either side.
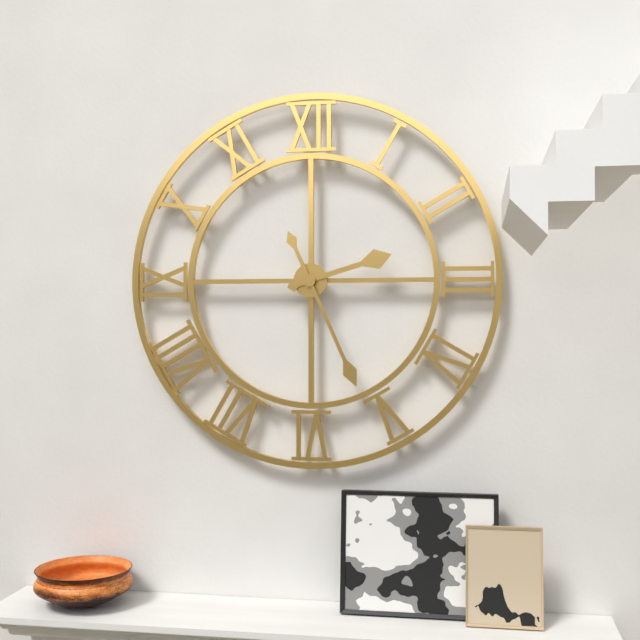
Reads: 2:26
